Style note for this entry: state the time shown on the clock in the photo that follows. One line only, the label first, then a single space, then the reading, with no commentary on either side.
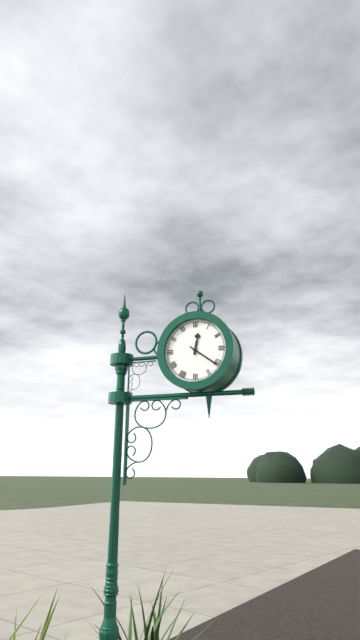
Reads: 12:21
